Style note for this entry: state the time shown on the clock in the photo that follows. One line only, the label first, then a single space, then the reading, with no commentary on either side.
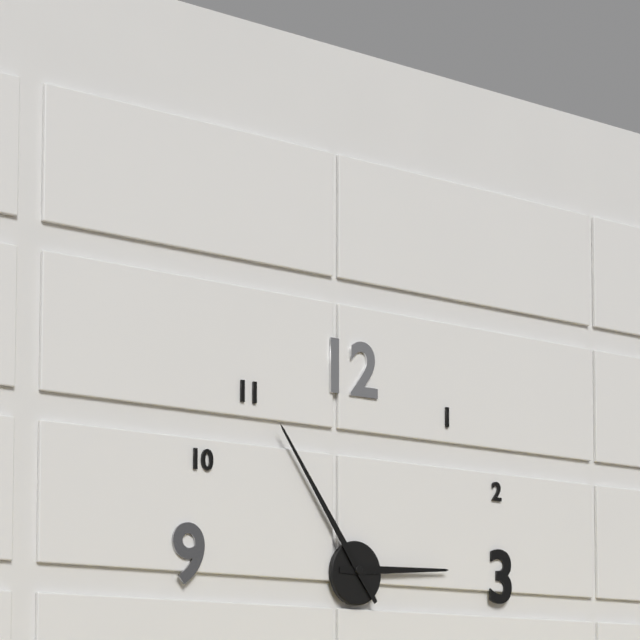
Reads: 2:54
